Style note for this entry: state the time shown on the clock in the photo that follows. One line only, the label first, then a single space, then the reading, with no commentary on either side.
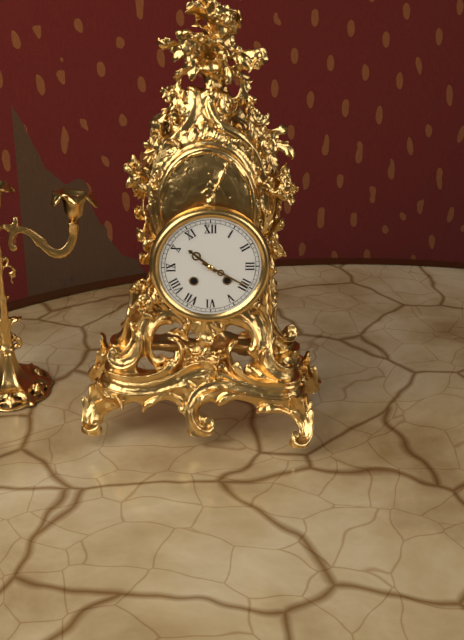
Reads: 10:20
